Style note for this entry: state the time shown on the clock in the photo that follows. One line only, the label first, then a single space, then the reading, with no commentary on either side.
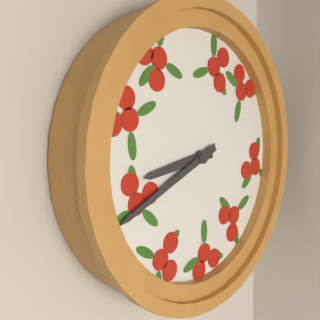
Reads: 8:41
